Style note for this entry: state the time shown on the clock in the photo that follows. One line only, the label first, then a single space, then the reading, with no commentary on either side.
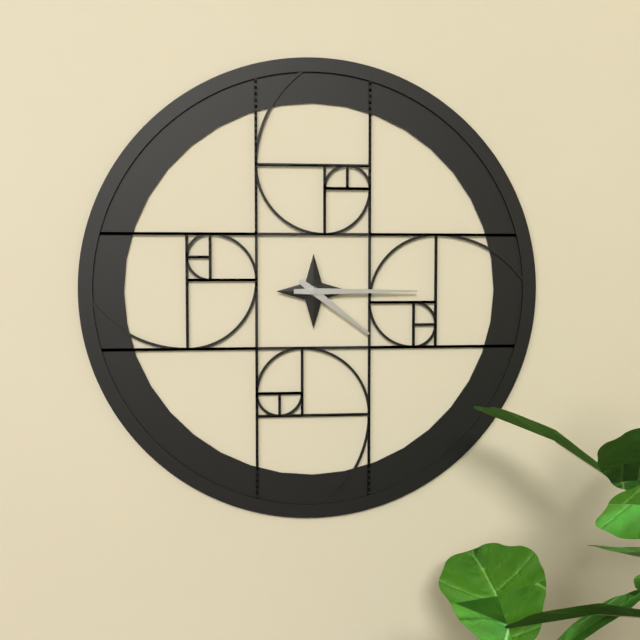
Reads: 4:15
